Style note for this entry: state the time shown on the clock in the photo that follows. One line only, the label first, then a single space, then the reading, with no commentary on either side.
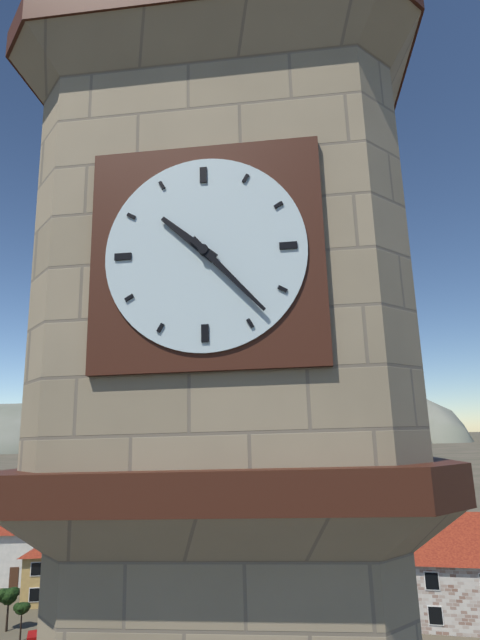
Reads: 10:23
